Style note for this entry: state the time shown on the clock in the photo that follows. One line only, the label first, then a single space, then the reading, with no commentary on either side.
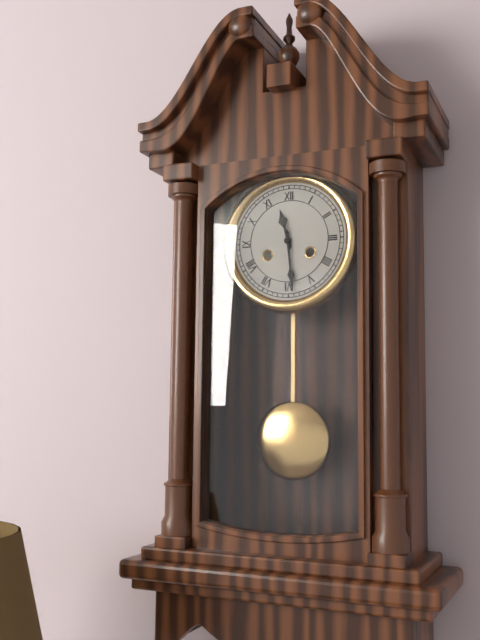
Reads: 11:29
